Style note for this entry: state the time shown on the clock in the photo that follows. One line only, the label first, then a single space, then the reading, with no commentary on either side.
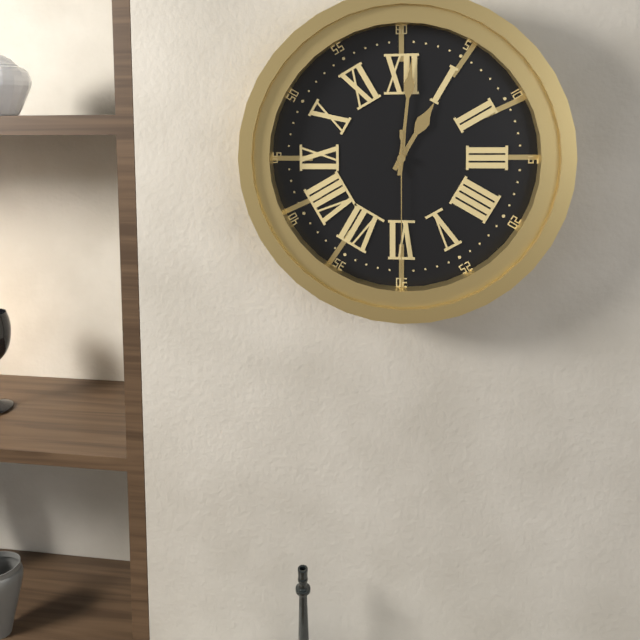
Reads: 1:01:30
